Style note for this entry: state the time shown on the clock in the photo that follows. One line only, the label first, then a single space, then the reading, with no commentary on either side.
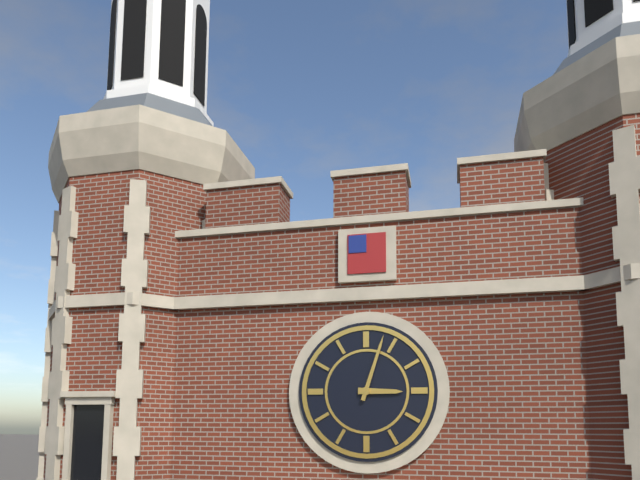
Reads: 3:03
